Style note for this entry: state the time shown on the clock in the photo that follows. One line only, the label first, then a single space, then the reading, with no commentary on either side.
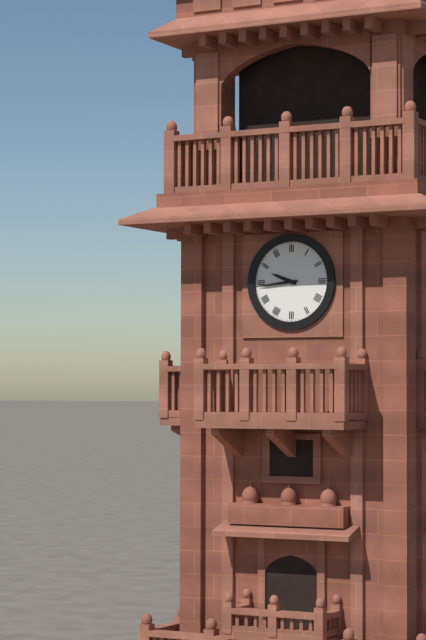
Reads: 9:44
